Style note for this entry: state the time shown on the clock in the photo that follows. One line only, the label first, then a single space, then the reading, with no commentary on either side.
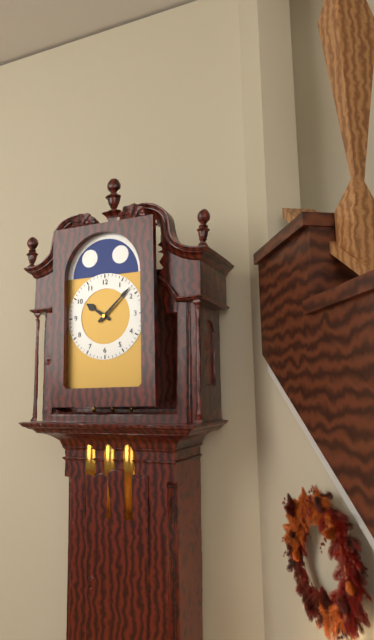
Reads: 10:08
